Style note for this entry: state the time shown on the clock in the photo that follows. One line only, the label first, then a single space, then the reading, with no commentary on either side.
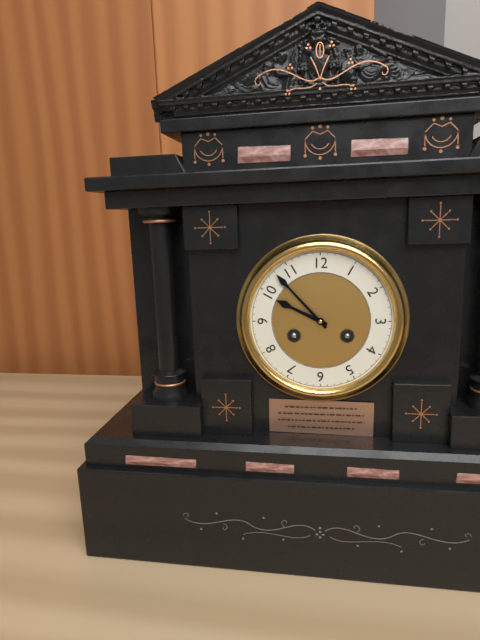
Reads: 9:53
